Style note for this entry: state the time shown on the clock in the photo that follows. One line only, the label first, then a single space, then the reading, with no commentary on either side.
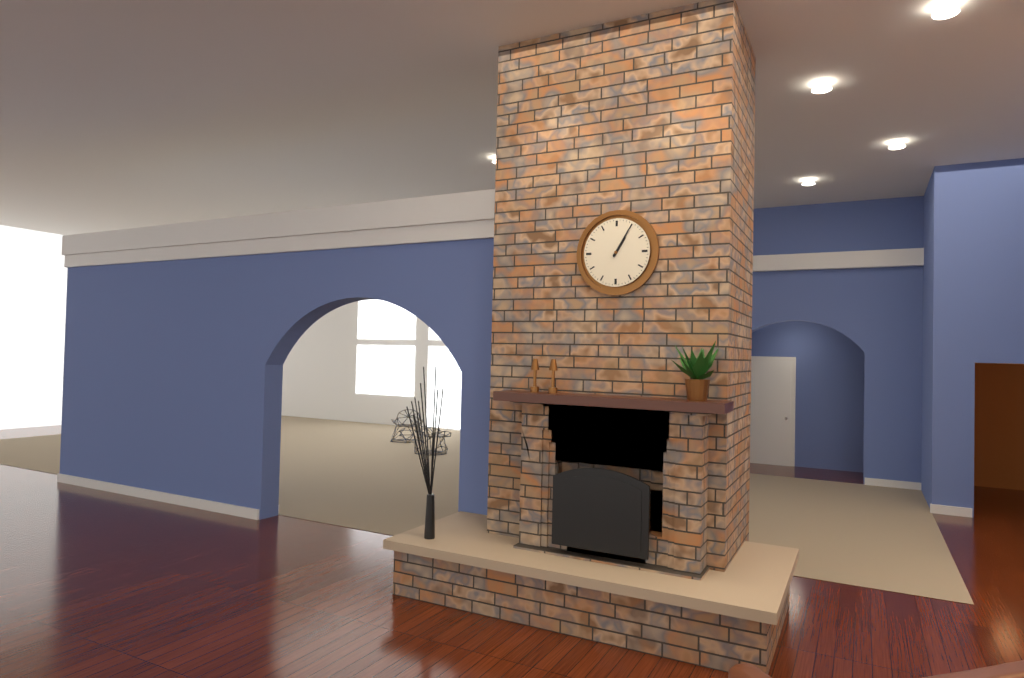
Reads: 1:05
